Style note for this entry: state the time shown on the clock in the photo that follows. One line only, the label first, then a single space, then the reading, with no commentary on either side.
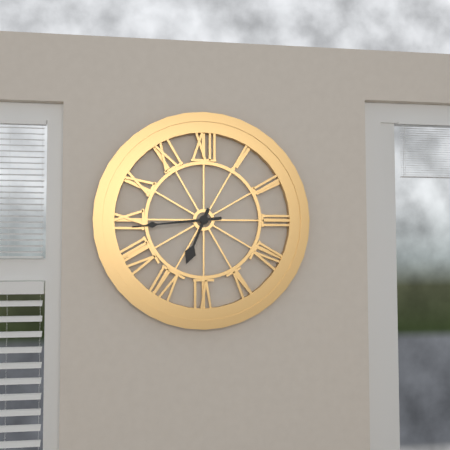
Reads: 6:44
